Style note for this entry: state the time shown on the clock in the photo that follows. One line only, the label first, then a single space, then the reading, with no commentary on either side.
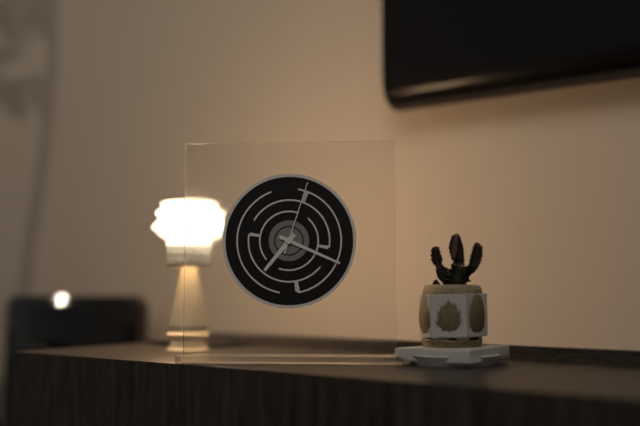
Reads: 7:19:03
